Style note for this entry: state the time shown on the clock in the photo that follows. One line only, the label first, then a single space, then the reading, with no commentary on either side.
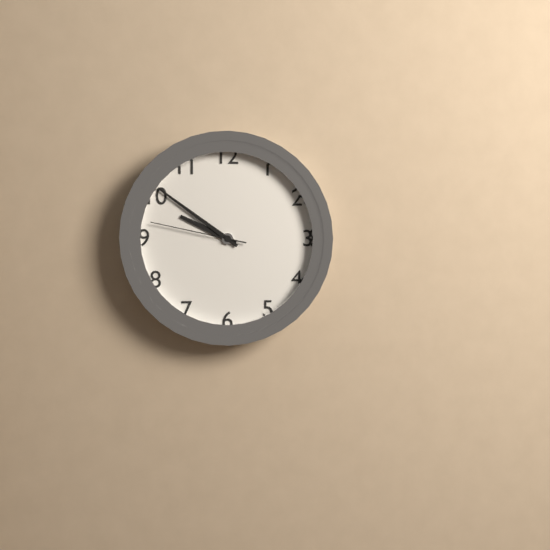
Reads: 9:51:47
